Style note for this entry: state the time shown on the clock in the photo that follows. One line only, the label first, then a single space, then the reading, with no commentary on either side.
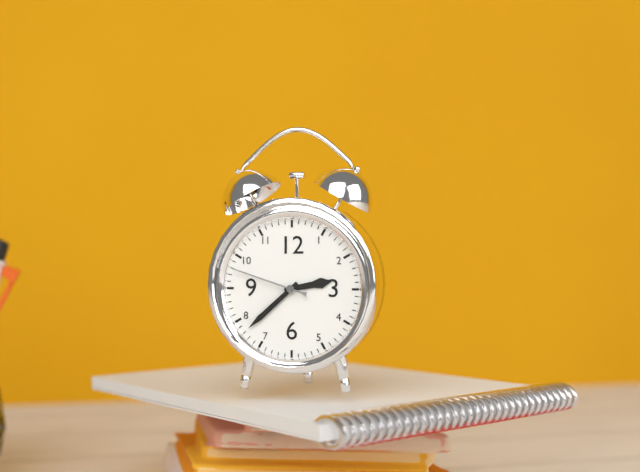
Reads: 2:38:48
